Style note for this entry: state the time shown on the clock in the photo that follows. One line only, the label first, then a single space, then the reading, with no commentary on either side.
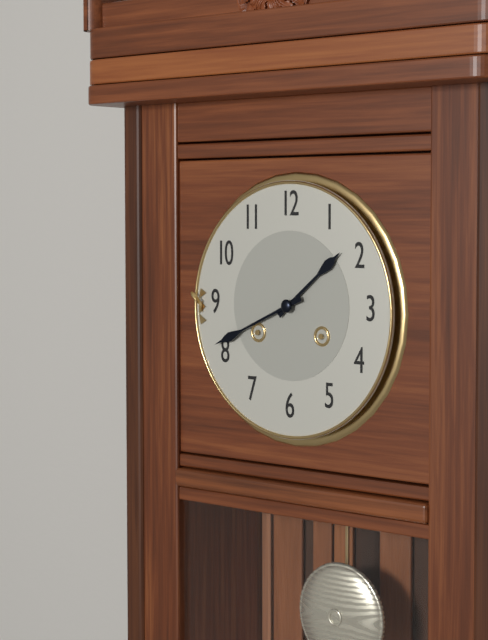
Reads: 1:41
